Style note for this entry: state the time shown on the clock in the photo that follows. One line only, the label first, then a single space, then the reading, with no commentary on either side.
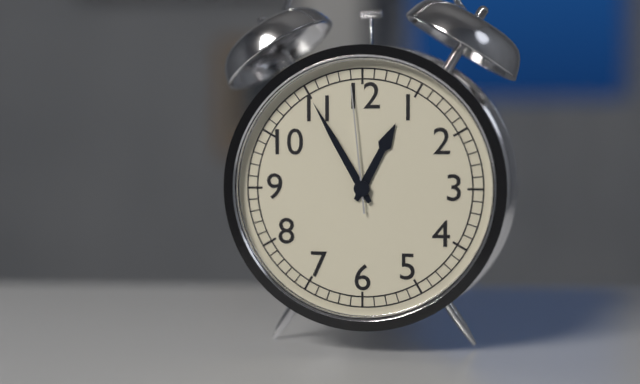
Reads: 12:55:59
